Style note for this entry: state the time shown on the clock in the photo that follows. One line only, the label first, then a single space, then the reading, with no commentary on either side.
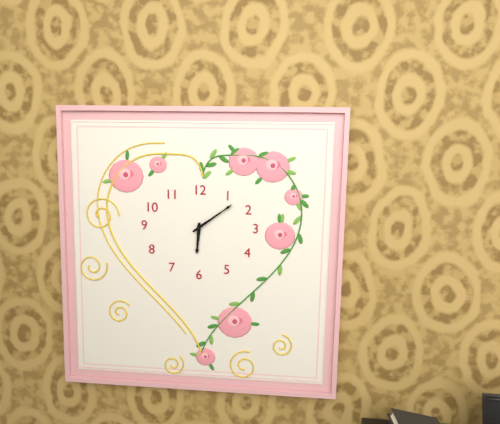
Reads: 6:09
